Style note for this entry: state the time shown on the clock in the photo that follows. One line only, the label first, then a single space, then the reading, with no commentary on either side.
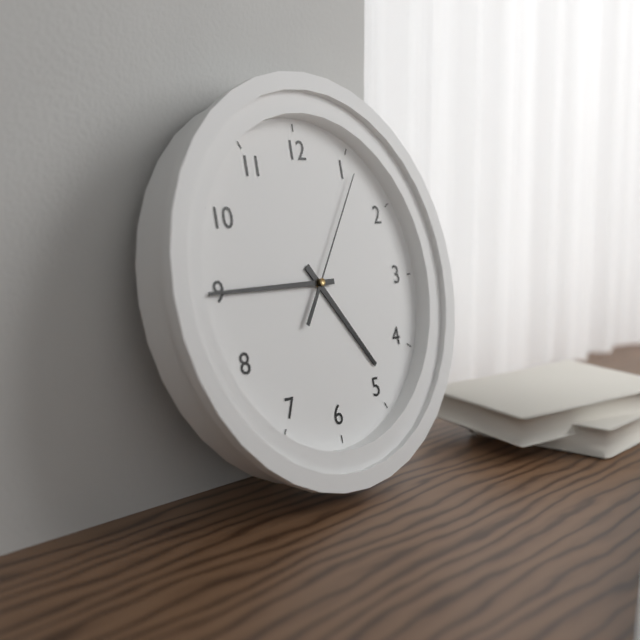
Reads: 4:45:06
